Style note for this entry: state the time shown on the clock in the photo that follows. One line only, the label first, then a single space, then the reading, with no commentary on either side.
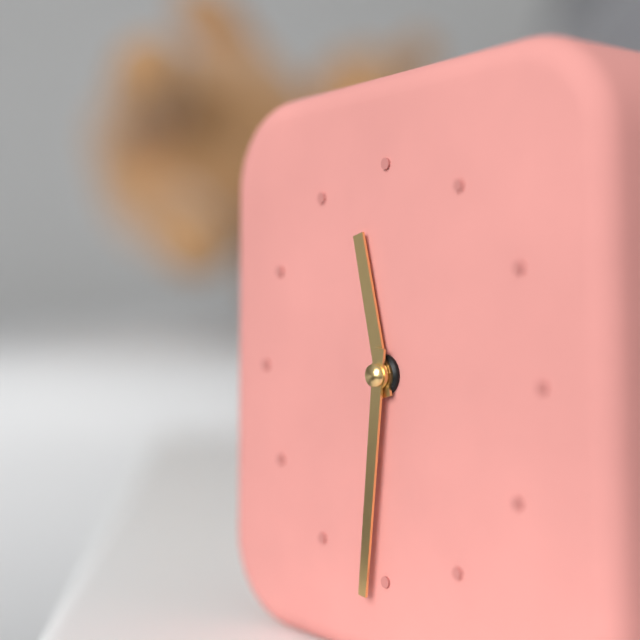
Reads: 11:31
